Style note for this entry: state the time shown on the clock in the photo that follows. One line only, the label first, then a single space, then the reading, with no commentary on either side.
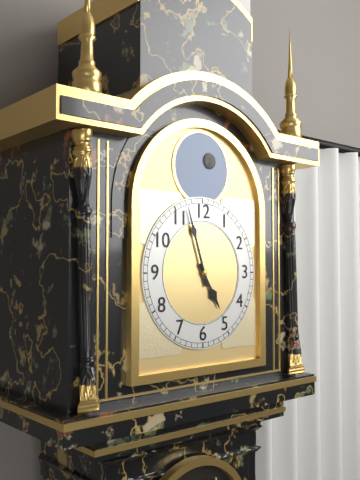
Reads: 4:57
